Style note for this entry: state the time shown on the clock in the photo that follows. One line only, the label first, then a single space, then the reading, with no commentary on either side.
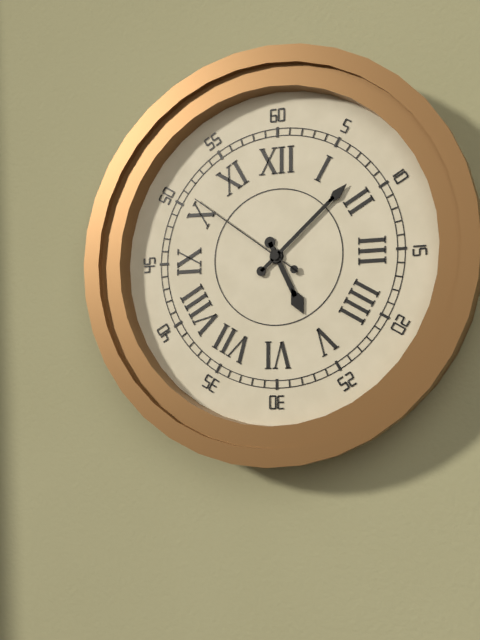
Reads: 5:08:51
